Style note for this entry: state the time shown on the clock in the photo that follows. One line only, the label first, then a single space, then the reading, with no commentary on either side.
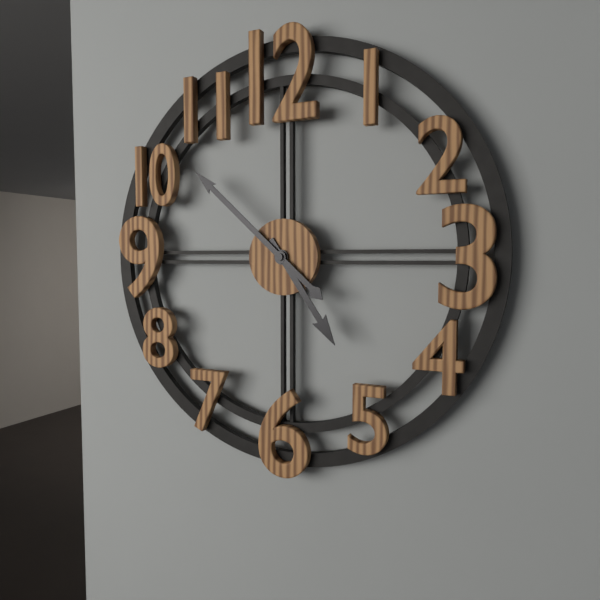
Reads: 4:52
